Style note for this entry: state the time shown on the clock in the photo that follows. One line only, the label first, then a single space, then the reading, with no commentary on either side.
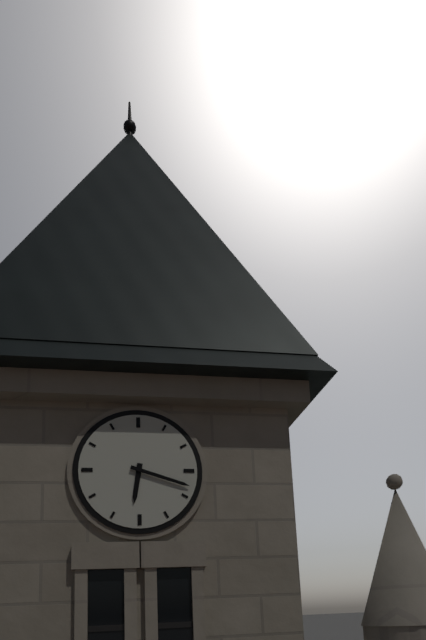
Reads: 6:18
